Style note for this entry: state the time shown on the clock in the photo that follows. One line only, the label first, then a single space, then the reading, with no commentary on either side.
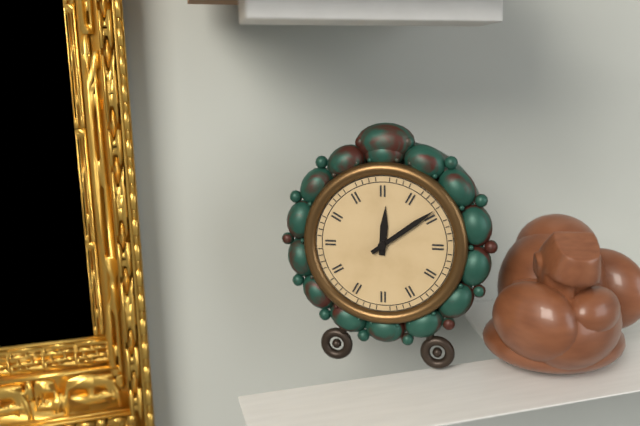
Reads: 12:09
